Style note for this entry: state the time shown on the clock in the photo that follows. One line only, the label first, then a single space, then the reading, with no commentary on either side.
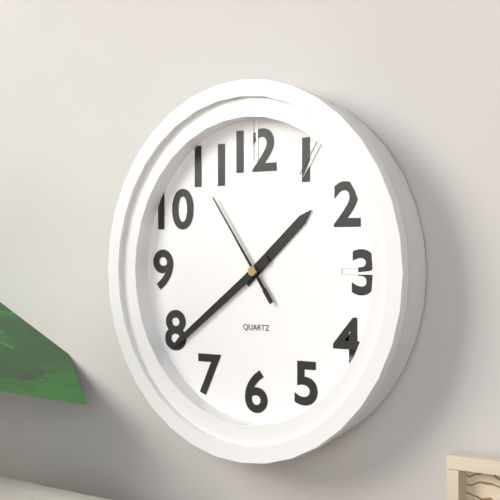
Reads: 1:39:54
